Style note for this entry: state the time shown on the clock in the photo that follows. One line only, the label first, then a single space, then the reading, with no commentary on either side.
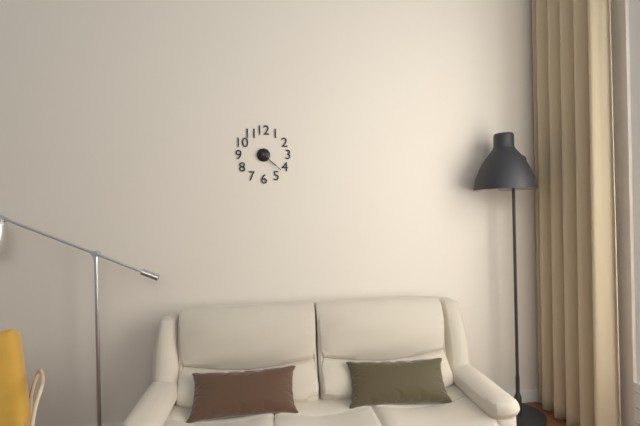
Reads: 4:22
